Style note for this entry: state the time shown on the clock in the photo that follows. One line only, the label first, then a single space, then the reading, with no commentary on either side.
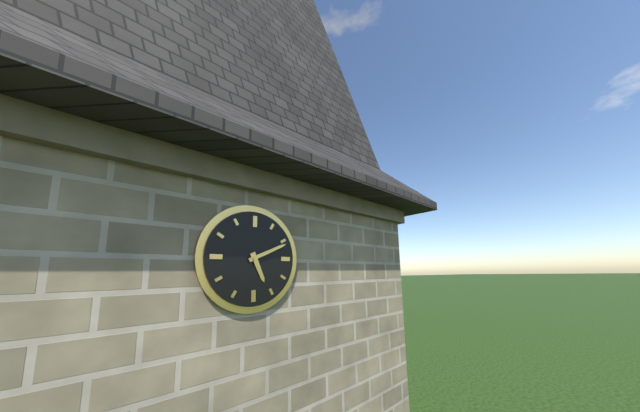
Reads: 5:11
